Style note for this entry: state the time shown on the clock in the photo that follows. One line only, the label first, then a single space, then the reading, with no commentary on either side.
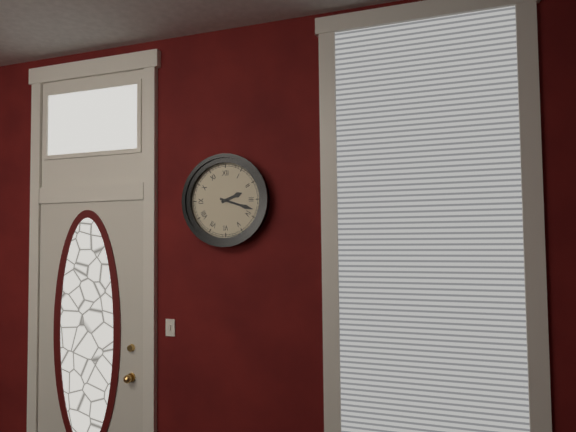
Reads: 2:18
